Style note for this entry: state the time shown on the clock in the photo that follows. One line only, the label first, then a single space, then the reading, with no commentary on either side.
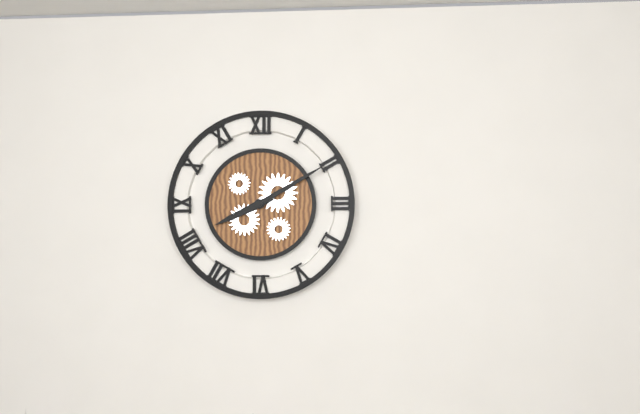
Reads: 8:10
